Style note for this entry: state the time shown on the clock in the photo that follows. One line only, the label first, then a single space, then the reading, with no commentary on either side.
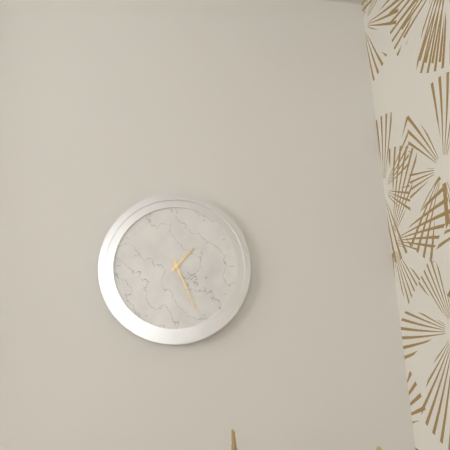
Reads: 1:26
